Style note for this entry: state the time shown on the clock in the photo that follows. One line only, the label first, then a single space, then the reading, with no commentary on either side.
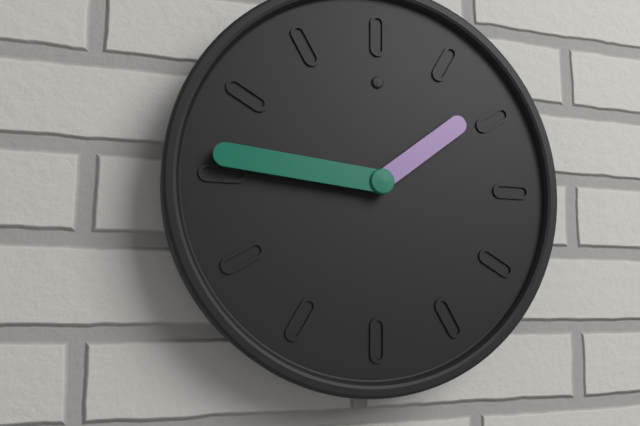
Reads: 1:46
